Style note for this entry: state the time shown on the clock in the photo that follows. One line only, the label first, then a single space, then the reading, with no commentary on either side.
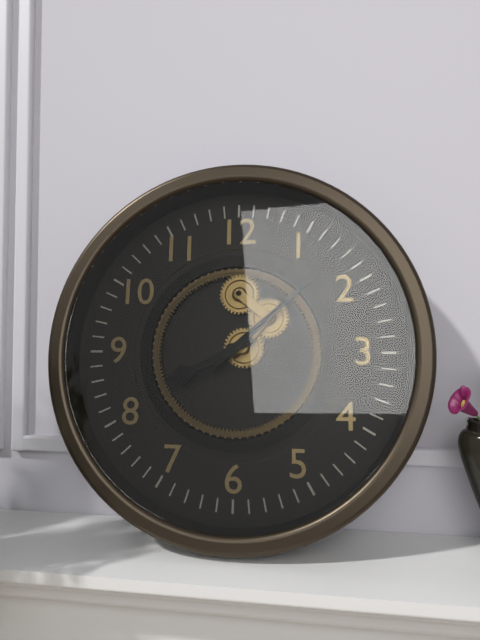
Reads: 8:08
